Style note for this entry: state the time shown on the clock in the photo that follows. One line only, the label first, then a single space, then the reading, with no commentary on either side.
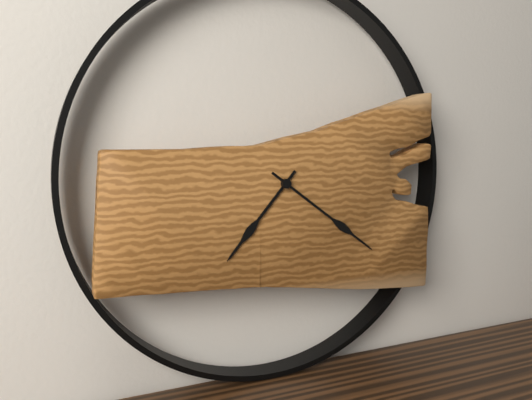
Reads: 7:21
